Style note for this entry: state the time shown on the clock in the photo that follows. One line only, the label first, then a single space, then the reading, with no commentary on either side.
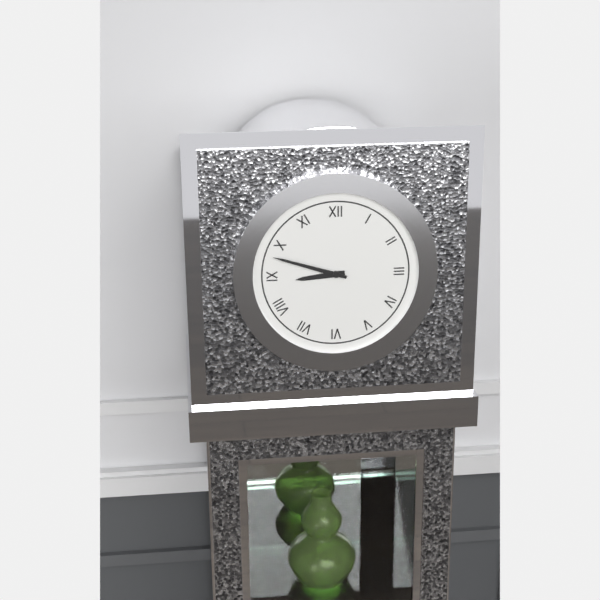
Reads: 8:48
